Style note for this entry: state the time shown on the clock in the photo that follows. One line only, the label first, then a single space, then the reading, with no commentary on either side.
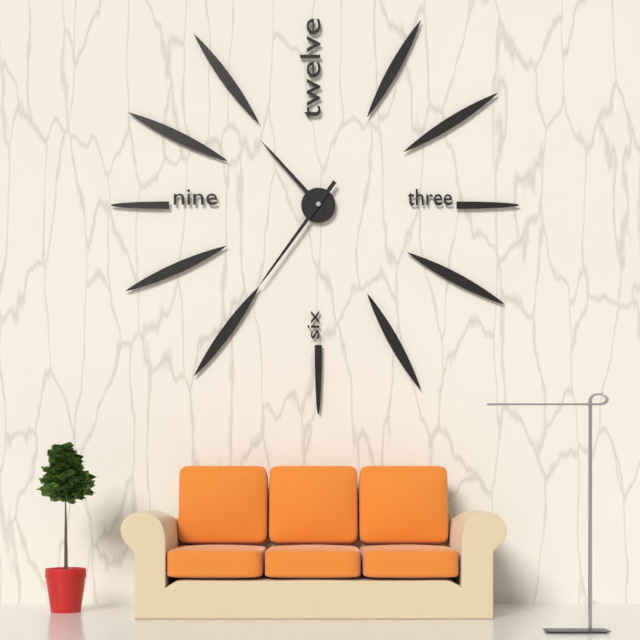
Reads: 10:36
